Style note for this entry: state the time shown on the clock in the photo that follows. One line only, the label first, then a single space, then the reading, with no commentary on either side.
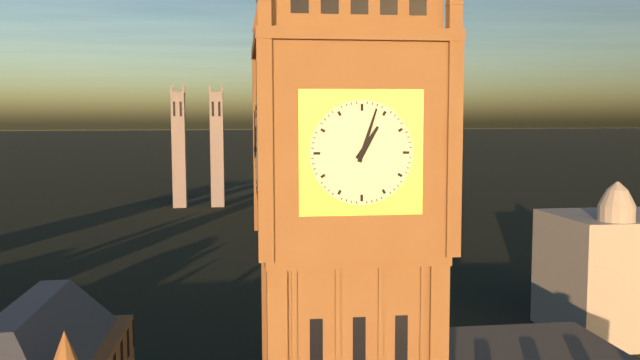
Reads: 1:03
